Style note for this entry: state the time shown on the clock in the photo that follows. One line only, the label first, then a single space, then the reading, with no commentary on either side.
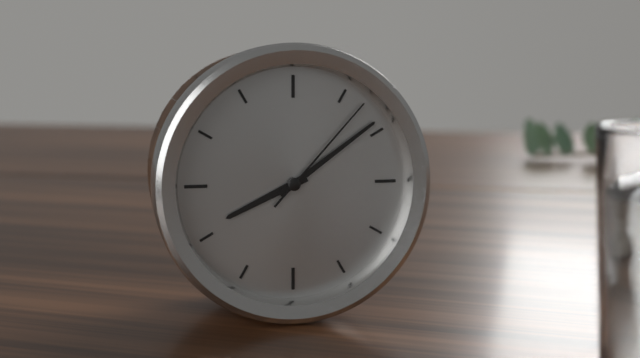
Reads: 8:09:07
